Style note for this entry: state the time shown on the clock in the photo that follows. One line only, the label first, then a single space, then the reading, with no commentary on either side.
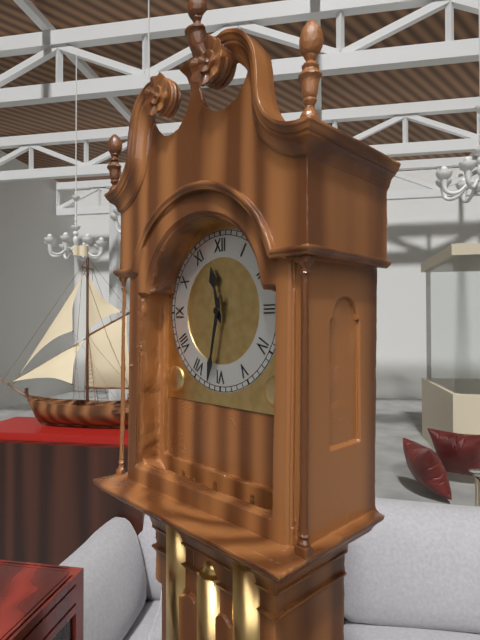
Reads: 11:32
